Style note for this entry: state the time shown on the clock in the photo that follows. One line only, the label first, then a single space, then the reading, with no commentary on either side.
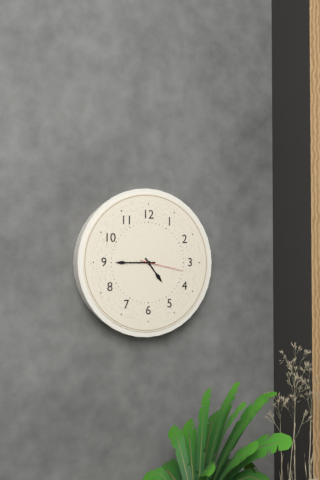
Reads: 4:45
